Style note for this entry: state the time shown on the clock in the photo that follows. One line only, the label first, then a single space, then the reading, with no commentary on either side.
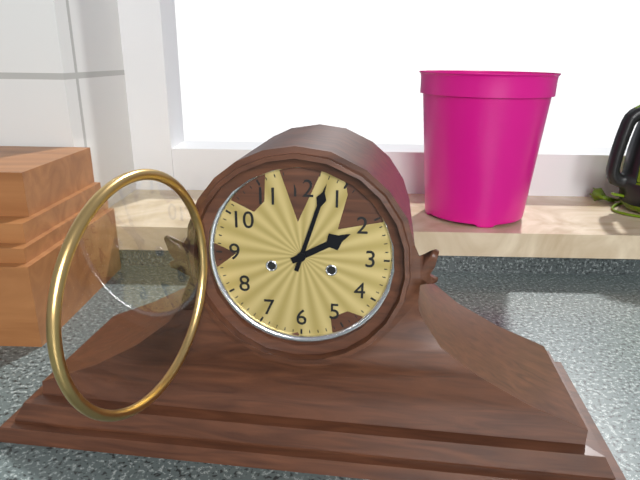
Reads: 2:03
